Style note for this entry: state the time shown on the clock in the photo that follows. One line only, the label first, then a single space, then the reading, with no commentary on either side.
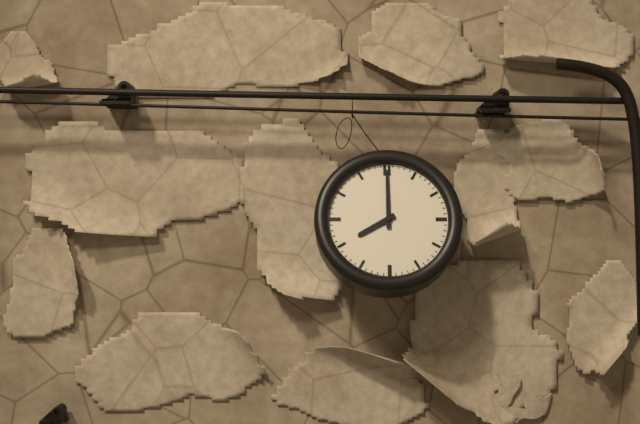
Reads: 8:00
